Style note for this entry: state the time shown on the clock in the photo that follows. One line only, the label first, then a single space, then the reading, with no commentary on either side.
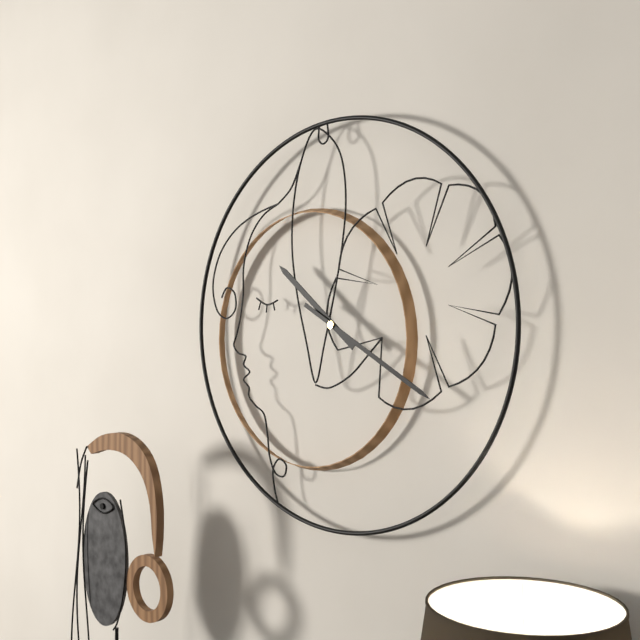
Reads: 10:20
